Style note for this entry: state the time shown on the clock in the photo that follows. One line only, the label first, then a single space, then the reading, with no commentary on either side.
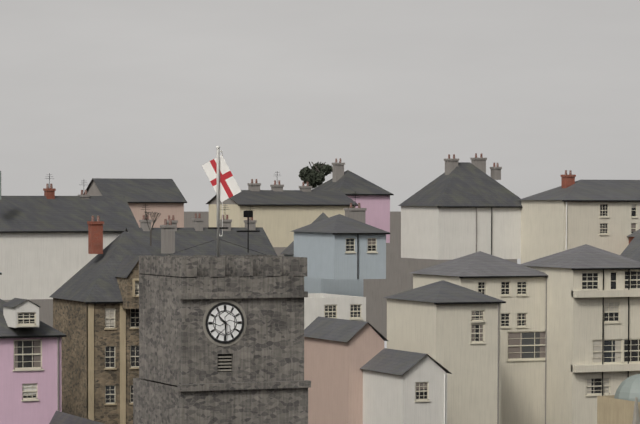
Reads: 10:30
